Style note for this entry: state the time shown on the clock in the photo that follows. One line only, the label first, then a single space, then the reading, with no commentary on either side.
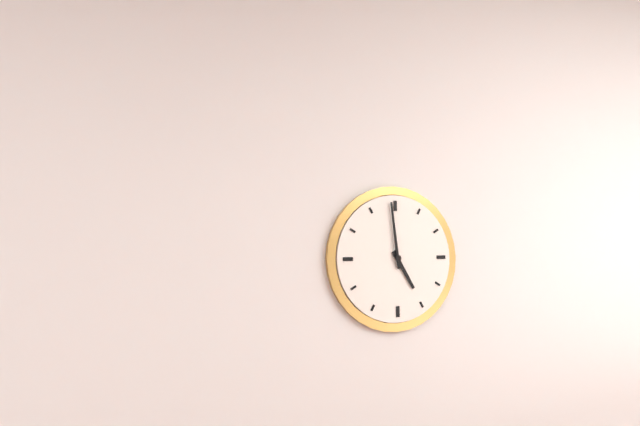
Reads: 4:59
